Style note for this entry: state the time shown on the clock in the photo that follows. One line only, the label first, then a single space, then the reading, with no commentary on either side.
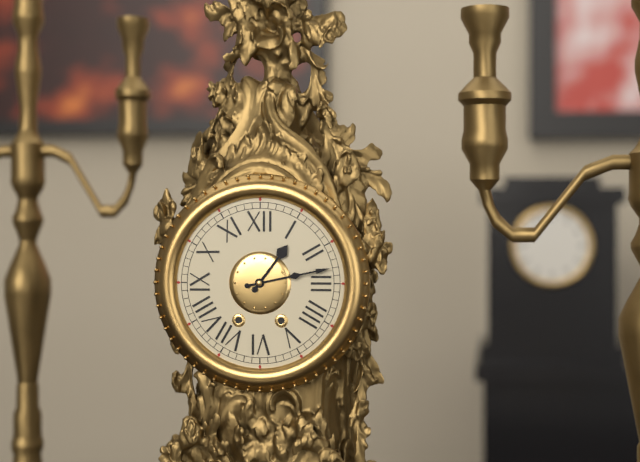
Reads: 1:13
